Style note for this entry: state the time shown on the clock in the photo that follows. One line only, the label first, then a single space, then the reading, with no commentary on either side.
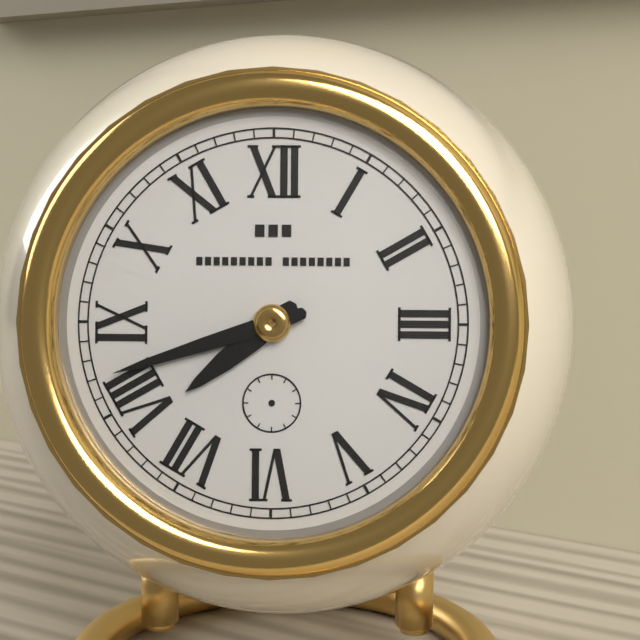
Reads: 7:42
